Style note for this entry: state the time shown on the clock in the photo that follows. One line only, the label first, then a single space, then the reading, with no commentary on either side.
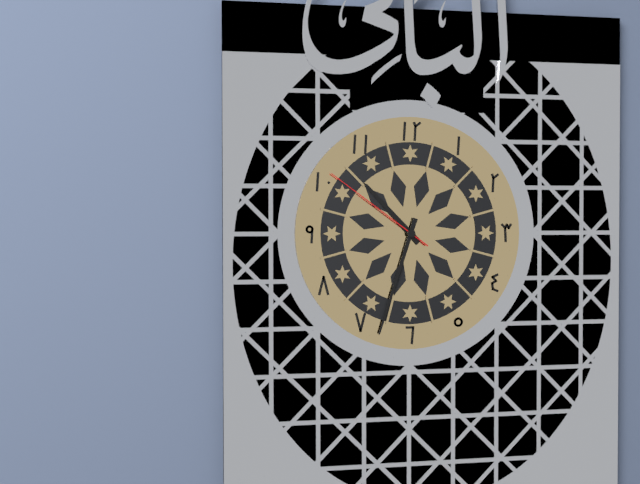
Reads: 10:33:51
